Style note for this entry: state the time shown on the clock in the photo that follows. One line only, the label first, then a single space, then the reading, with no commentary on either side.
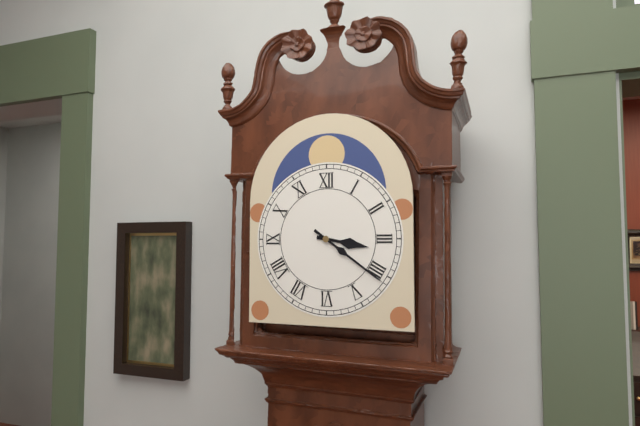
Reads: 3:21
